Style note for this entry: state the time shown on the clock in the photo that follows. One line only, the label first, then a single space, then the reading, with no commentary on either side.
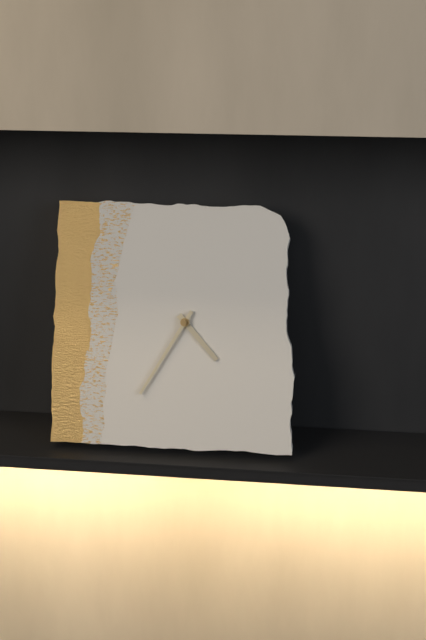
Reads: 4:35
